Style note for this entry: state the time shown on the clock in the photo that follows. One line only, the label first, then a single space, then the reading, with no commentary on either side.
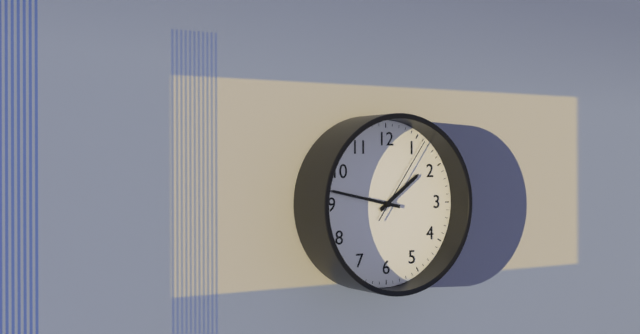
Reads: 1:47:06
